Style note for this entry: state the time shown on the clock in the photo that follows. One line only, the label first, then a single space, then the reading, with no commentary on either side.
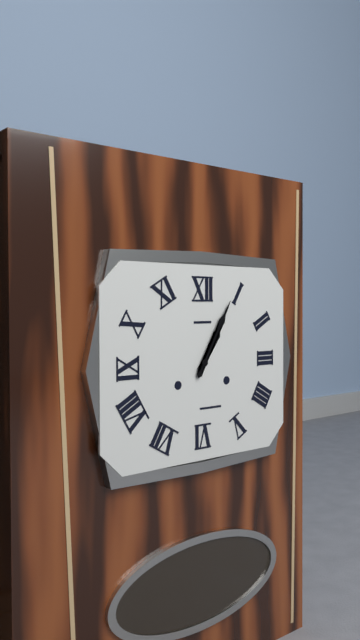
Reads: 1:05
